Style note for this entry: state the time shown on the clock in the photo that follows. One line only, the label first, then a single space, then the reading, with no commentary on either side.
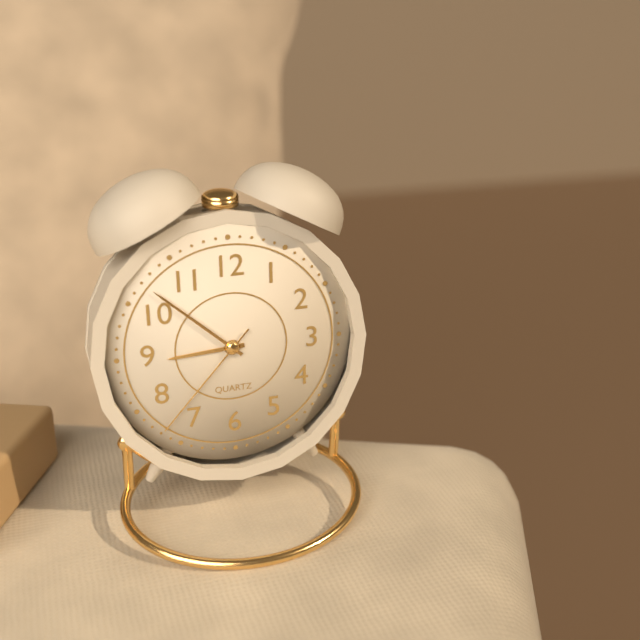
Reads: 8:52:37
